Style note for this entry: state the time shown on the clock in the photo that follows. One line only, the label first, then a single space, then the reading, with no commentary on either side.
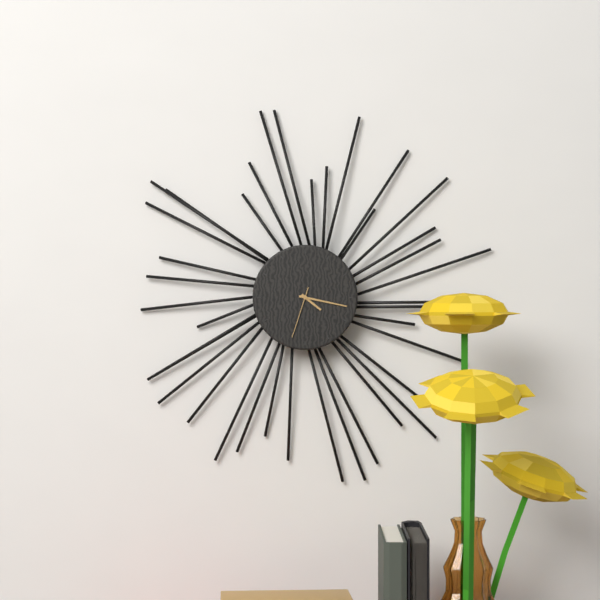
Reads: 4:17:33
